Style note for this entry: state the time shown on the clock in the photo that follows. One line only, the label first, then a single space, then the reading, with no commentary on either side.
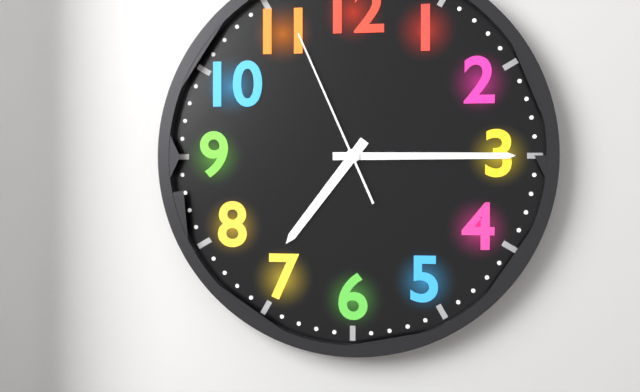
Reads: 7:15:56
